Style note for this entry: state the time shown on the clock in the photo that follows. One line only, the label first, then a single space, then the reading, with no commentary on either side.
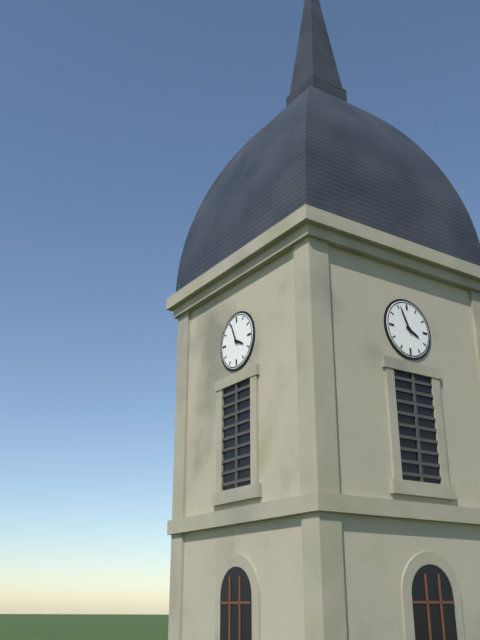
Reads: 3:56
